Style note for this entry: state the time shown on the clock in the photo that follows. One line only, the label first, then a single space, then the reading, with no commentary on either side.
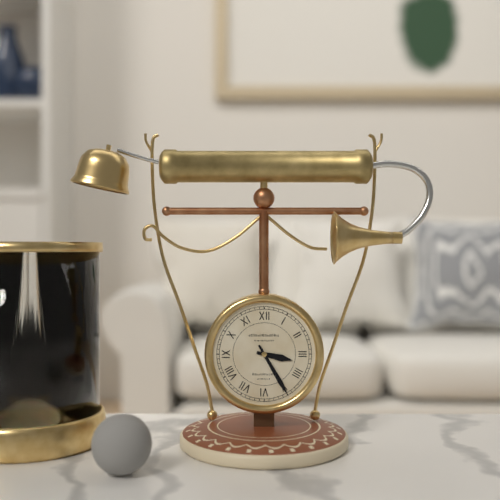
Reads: 3:25
